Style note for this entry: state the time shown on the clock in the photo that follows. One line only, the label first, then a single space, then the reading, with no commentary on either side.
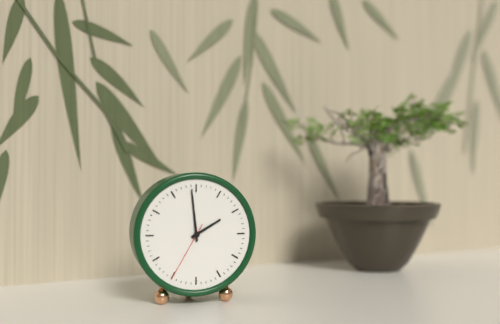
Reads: 1:59:35
